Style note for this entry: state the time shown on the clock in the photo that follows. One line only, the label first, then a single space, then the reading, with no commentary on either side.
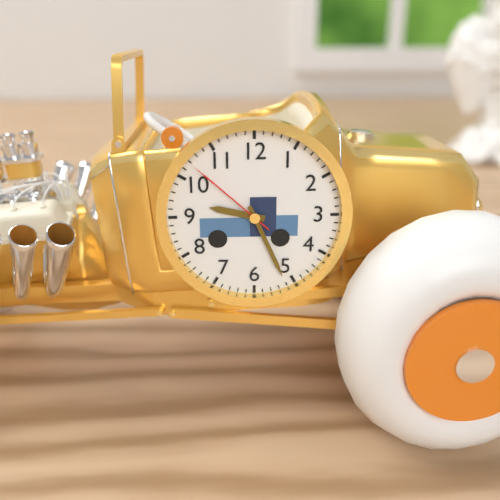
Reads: 9:26:52
